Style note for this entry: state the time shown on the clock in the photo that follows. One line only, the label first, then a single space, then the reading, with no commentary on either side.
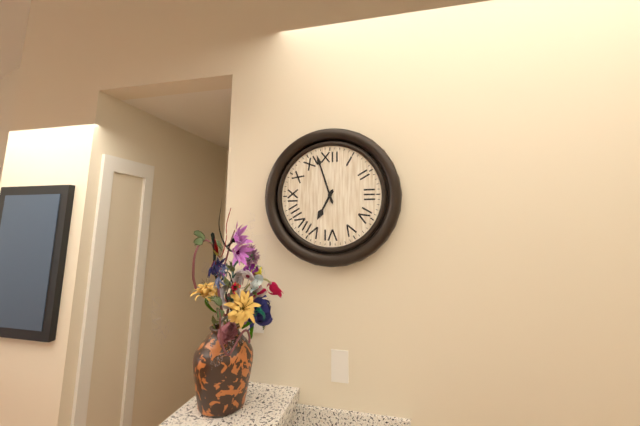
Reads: 6:57
